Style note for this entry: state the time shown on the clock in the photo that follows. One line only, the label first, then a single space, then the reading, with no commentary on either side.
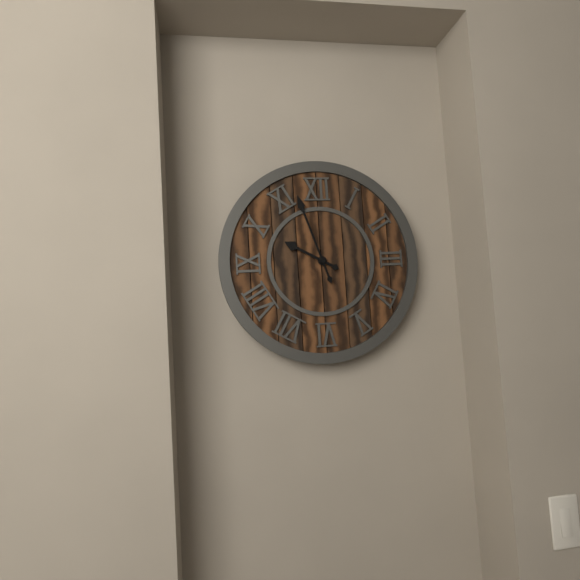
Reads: 9:57
